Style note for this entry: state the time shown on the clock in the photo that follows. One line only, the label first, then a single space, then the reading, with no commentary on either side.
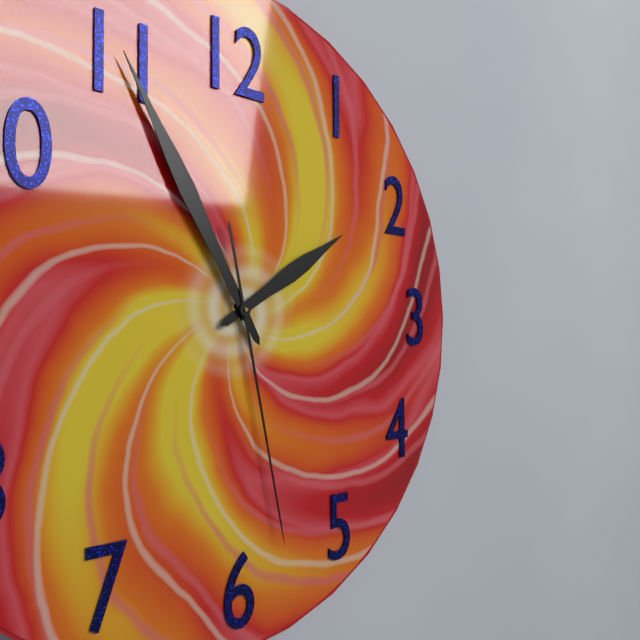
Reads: 1:55:28
